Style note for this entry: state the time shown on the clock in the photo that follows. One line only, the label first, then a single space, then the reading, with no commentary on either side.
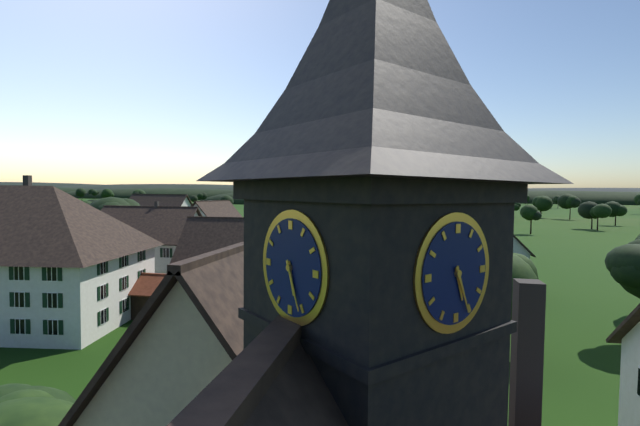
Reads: 5:26
